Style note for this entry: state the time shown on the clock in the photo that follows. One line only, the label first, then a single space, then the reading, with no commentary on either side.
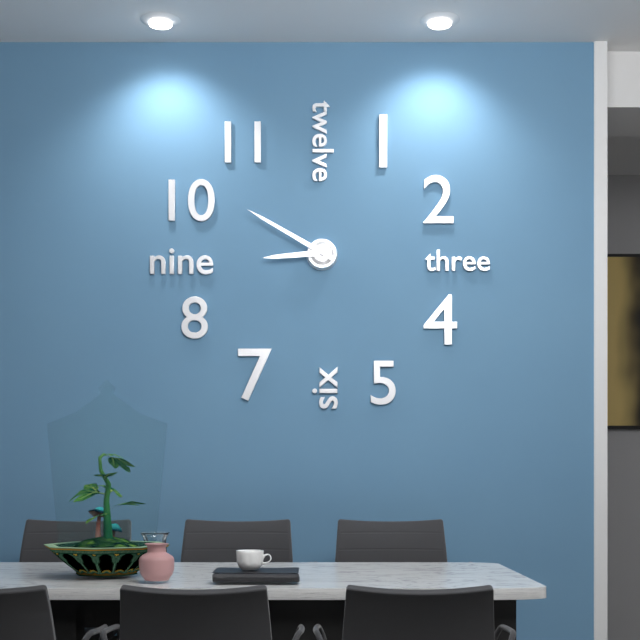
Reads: 8:50
